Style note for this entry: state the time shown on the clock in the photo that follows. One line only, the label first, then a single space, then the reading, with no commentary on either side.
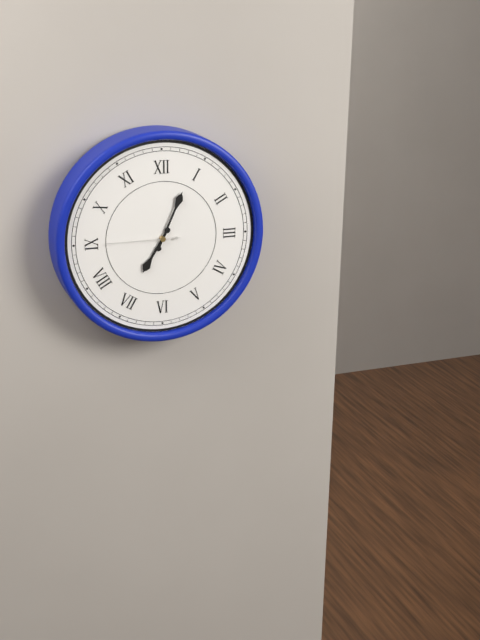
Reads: 7:04:45
